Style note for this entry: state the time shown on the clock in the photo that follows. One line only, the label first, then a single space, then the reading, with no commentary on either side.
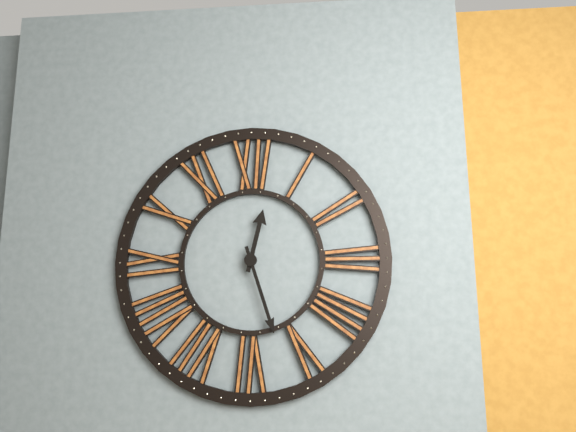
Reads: 12:27
